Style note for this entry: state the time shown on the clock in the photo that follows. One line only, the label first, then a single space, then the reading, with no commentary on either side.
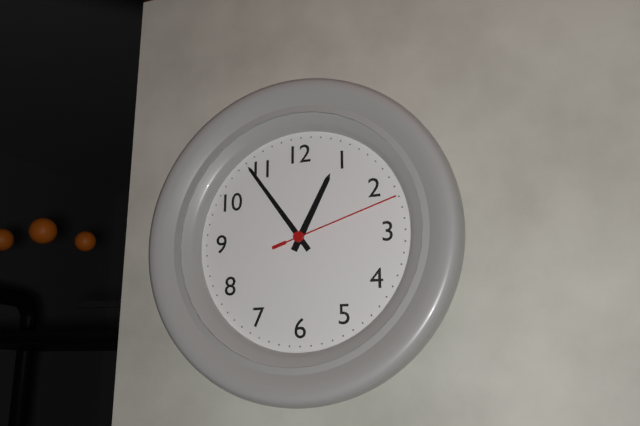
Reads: 12:54:12
